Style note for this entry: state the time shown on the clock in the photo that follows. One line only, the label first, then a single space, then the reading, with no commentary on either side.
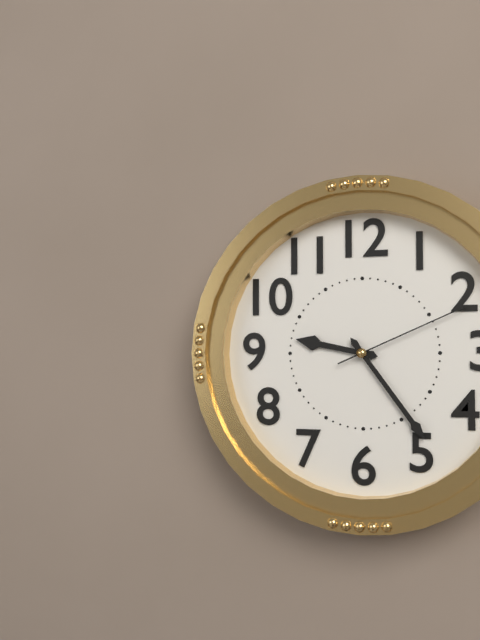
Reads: 9:24:11
